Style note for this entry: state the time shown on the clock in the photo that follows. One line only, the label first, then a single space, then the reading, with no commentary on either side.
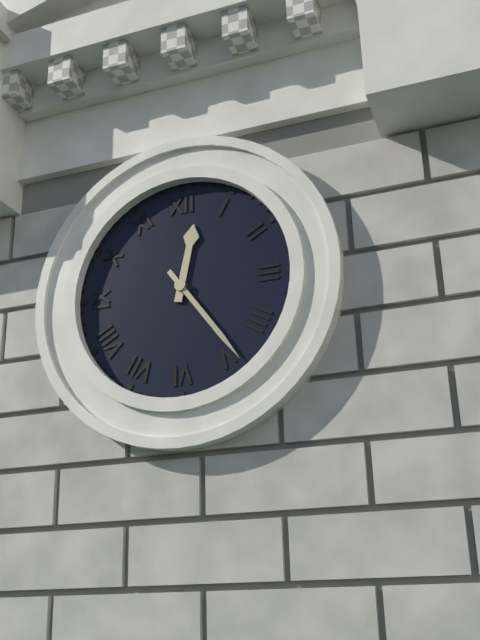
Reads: 12:24
